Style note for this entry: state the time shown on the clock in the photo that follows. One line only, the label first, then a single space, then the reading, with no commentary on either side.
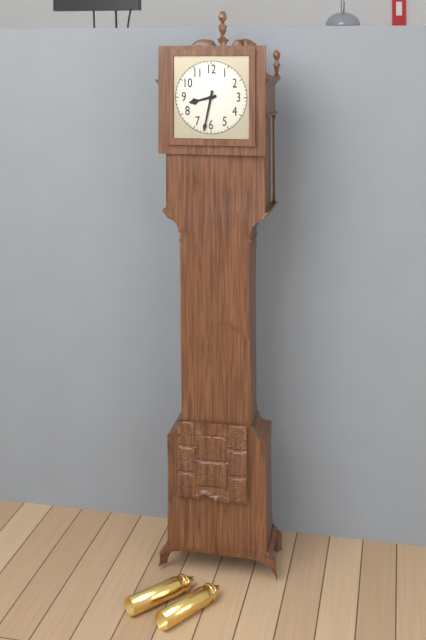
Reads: 8:32
